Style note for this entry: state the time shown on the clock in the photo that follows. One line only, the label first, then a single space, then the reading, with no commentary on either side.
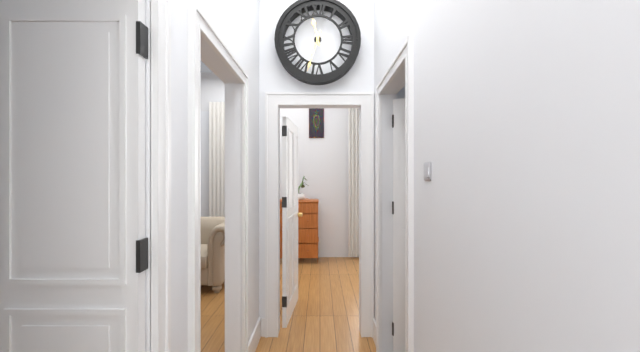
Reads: 11:33
